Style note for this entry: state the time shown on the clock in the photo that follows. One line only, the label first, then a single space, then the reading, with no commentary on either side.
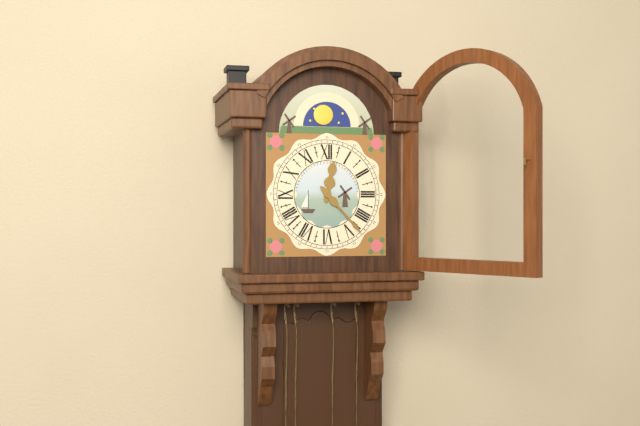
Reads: 12:23
